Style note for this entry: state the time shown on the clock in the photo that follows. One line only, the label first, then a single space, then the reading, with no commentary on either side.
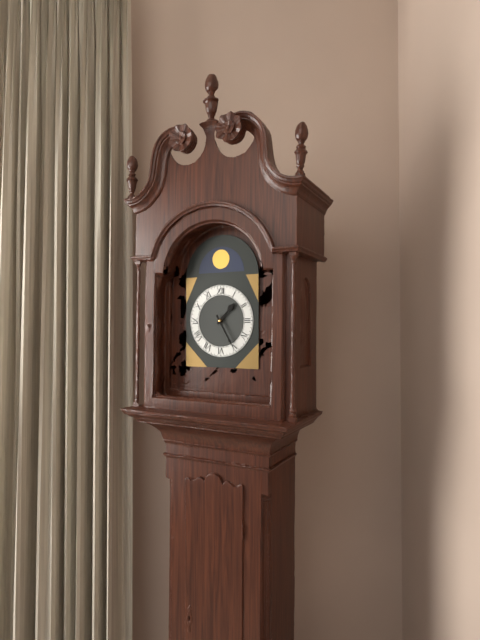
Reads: 1:25
